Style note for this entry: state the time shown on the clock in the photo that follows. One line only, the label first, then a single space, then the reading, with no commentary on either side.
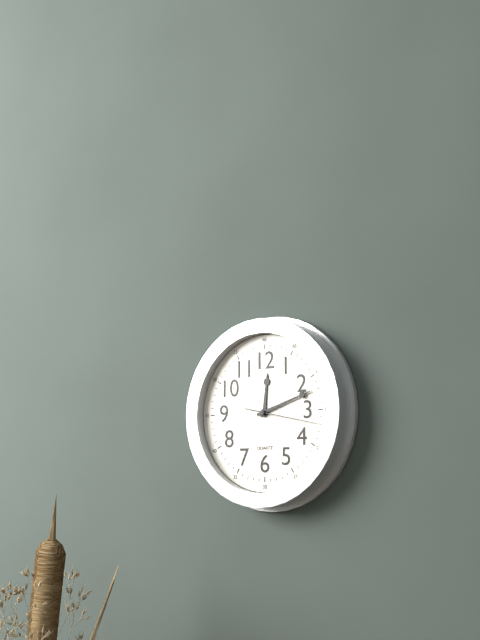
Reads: 12:12:17
